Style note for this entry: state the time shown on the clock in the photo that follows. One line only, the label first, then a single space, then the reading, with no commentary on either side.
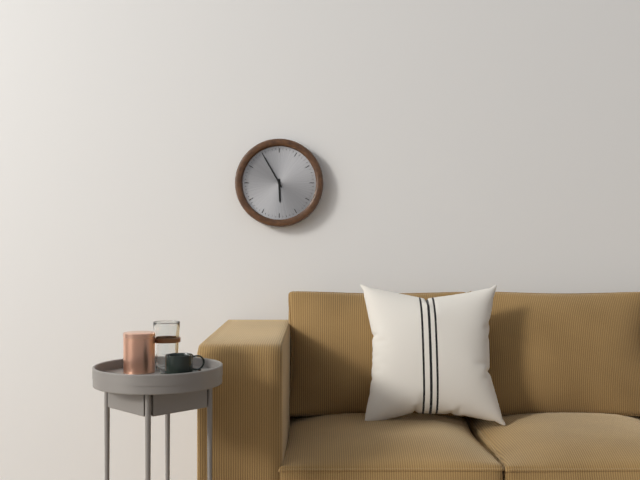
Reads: 5:55
